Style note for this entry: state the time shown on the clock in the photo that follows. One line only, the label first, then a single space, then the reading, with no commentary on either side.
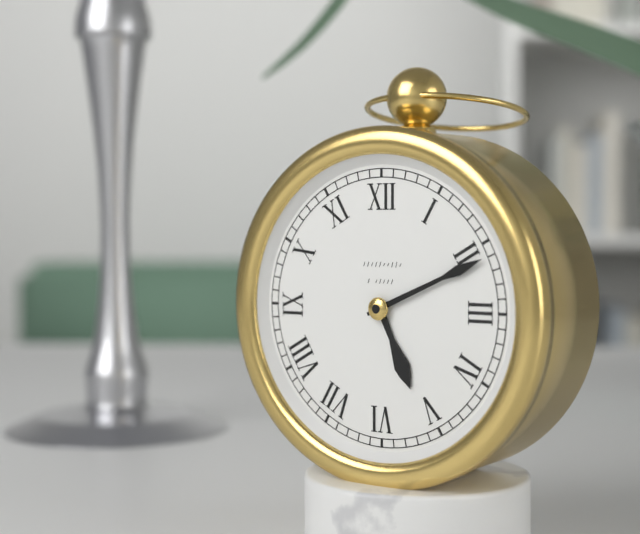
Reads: 5:11
